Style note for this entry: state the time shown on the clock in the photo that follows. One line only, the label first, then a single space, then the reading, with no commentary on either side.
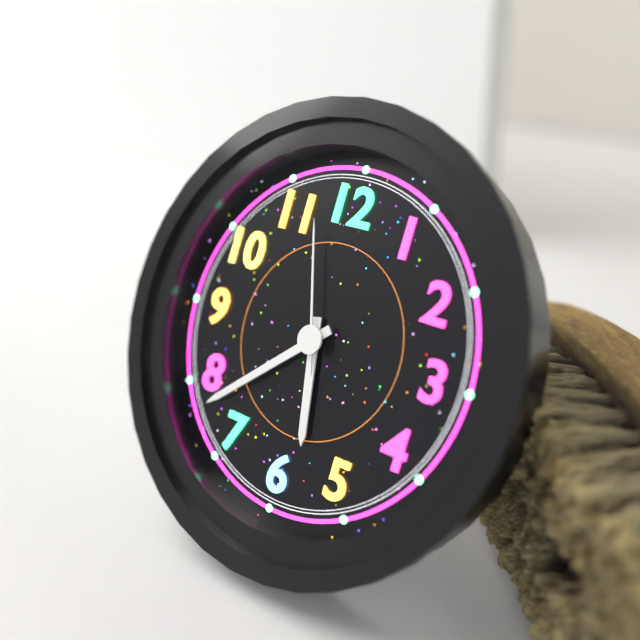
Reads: 5:38:57
